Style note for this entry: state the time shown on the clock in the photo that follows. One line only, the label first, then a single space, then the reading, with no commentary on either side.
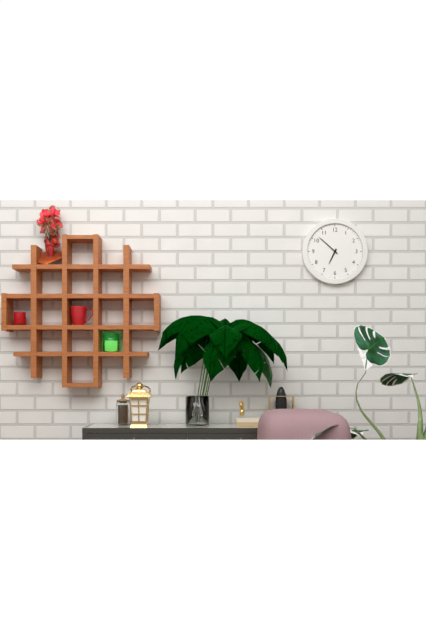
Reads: 6:52
